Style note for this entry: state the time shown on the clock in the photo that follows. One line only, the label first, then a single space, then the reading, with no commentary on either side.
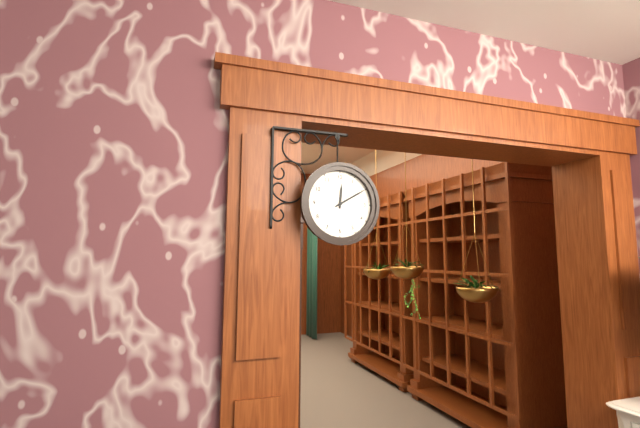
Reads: 12:10
